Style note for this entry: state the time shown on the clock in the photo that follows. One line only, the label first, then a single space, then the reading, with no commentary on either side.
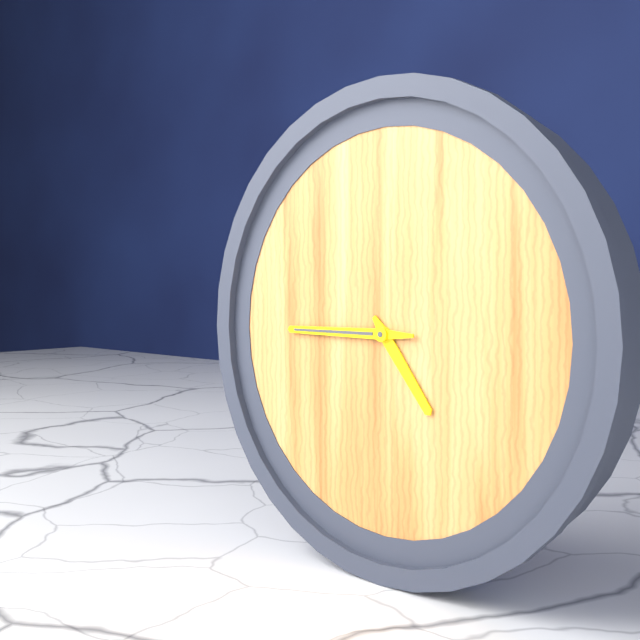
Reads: 4:45
